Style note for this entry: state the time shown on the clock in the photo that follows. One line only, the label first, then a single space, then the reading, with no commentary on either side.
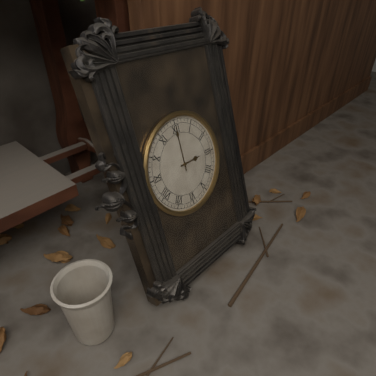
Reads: 3:00
